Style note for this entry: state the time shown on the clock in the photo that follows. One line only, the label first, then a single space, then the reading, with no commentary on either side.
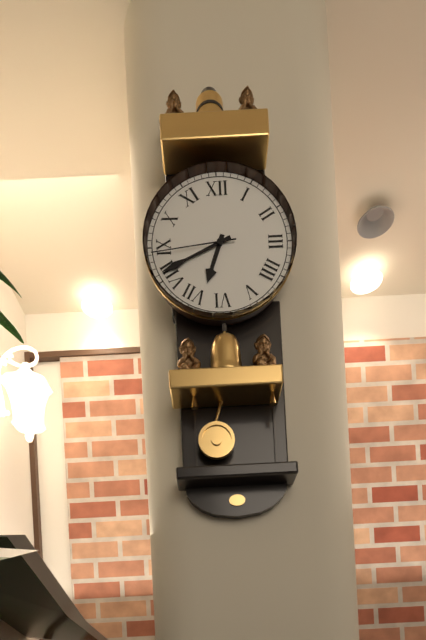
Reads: 6:41:44
